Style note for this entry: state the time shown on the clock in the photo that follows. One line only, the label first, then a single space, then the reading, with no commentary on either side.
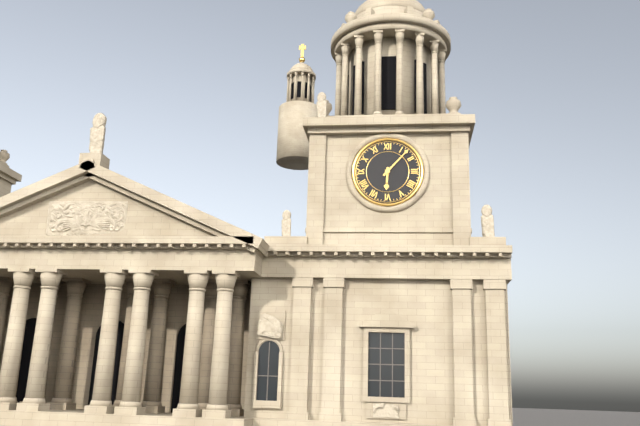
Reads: 6:07
